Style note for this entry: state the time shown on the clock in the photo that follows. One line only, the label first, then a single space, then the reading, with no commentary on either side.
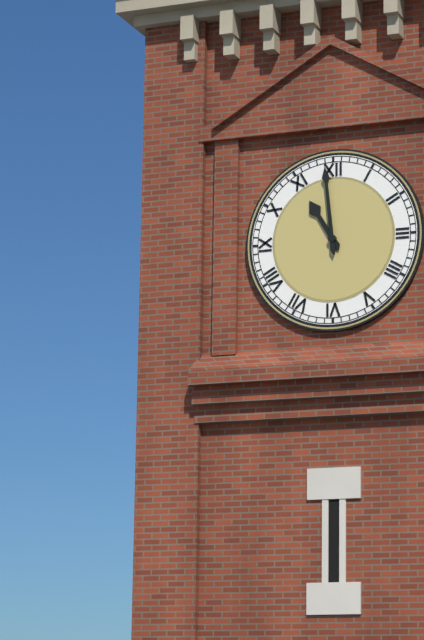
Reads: 10:59
